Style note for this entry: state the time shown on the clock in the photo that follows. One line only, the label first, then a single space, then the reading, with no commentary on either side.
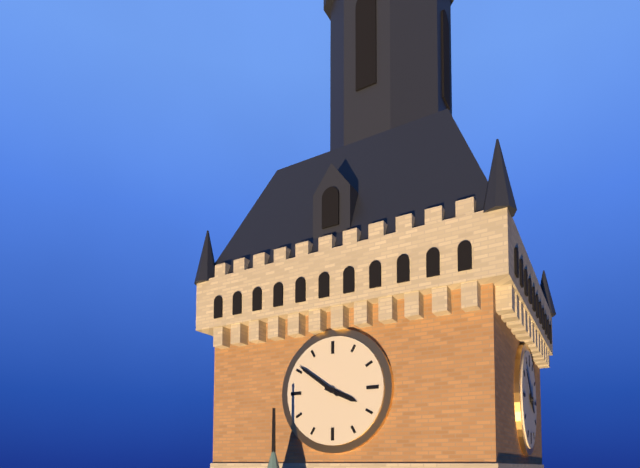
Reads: 3:51
